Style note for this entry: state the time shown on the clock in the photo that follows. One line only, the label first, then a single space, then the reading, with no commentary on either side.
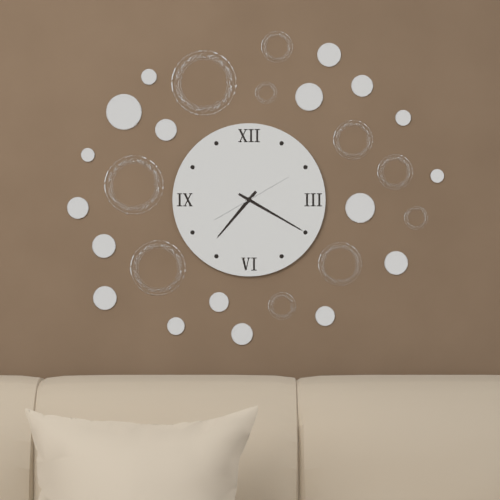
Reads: 7:20:10
